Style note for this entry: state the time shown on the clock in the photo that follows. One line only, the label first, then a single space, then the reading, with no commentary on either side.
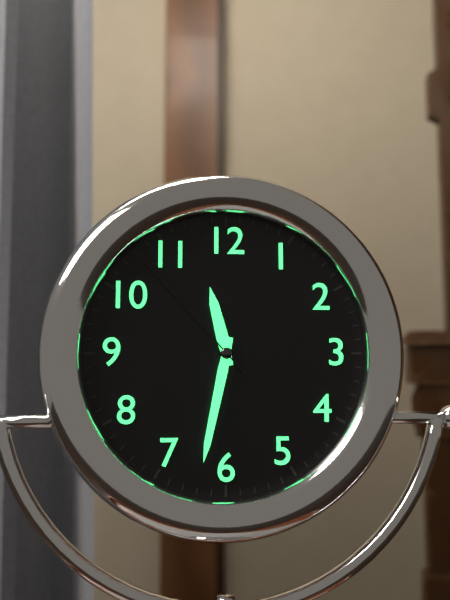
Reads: 11:32:53
